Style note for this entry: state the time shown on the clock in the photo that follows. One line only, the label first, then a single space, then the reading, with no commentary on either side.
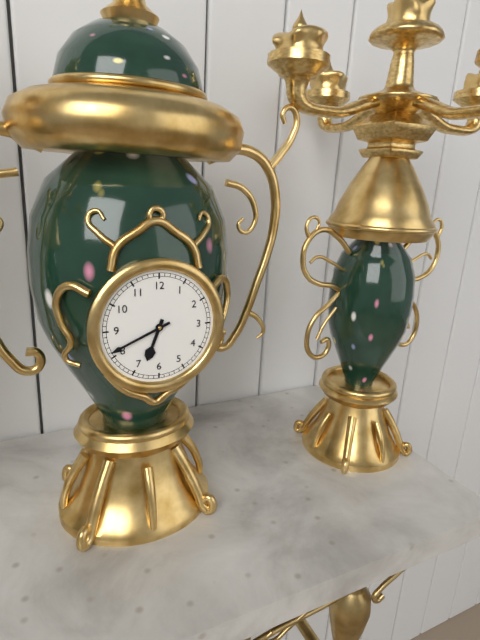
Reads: 6:41
